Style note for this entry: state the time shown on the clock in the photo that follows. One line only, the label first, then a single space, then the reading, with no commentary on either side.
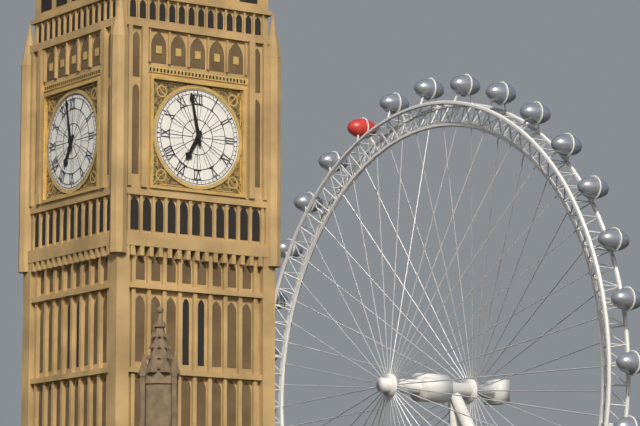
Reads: 6:58
